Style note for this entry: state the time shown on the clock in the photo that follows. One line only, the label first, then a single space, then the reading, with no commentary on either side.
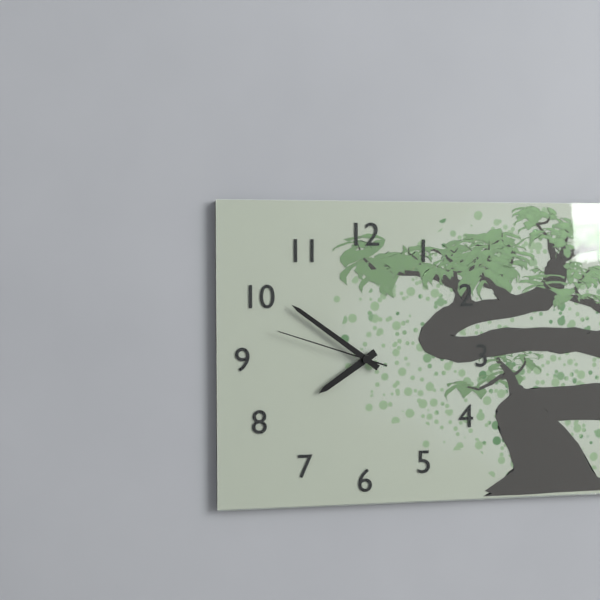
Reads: 7:51:48
